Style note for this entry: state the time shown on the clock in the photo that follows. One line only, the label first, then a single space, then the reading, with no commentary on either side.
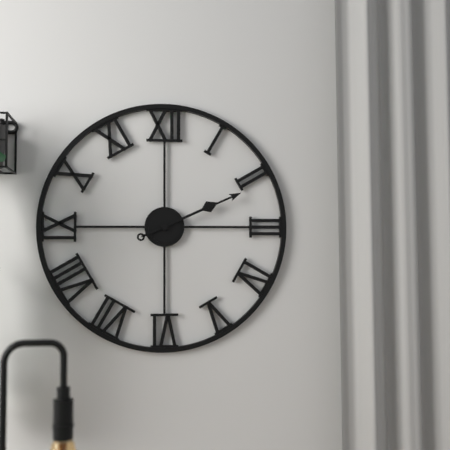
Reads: 2:11
